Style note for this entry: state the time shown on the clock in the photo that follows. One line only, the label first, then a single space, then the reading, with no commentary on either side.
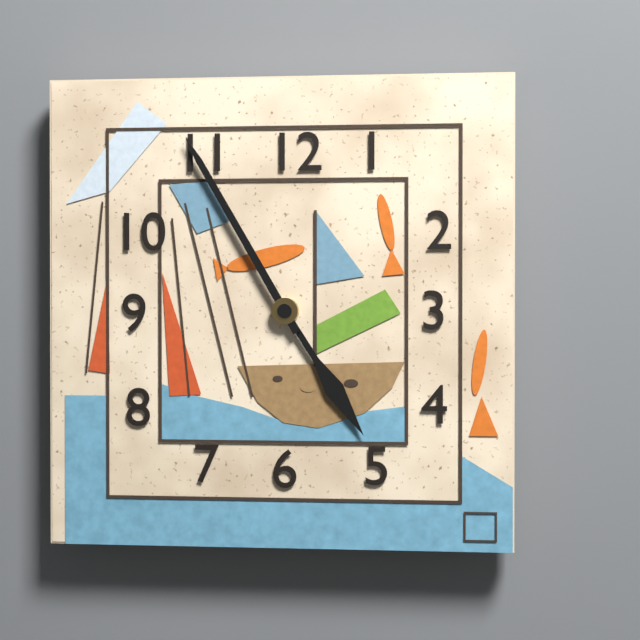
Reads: 4:55
